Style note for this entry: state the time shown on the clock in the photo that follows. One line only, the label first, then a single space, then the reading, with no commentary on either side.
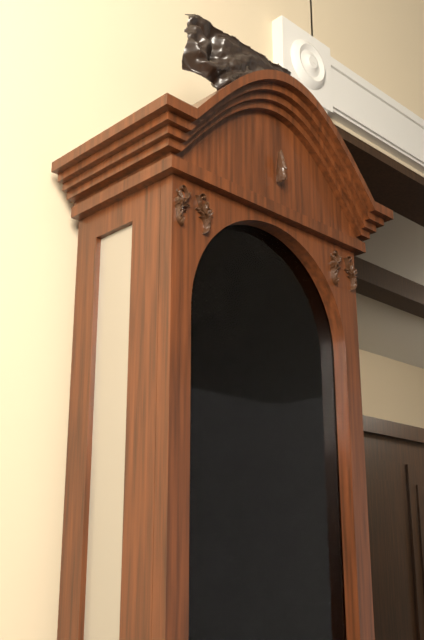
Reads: 7:32
